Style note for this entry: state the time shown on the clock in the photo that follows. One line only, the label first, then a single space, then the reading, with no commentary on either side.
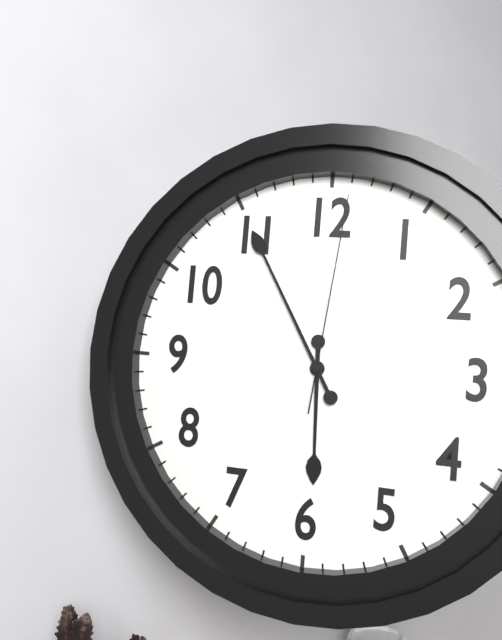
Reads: 5:55:01
